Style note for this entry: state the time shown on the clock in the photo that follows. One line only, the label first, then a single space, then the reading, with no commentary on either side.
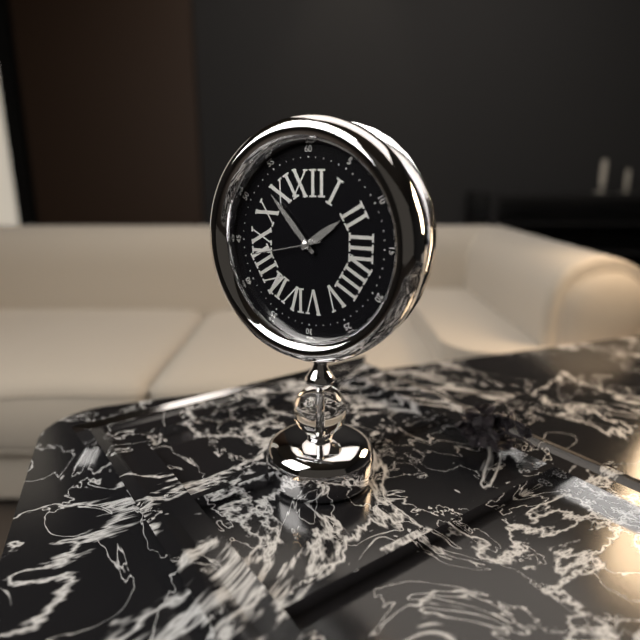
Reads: 1:53:43
